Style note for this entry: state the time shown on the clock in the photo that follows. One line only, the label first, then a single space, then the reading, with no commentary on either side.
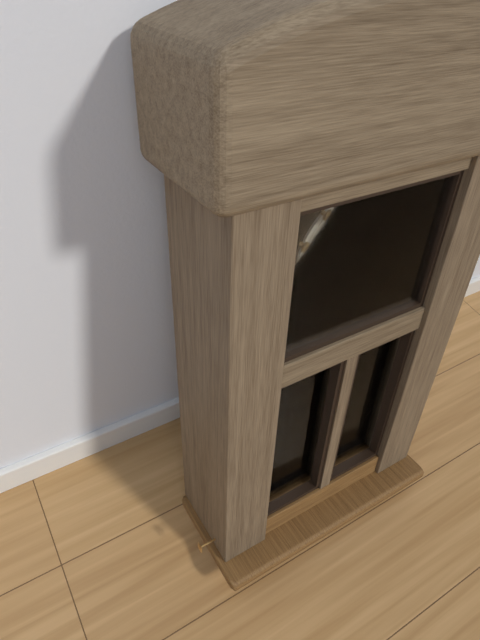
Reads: 10:35
